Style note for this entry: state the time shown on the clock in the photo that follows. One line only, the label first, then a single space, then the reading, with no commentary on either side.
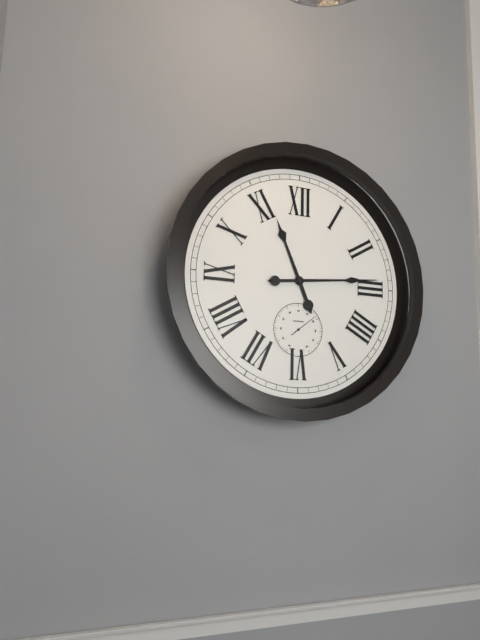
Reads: 11:14
